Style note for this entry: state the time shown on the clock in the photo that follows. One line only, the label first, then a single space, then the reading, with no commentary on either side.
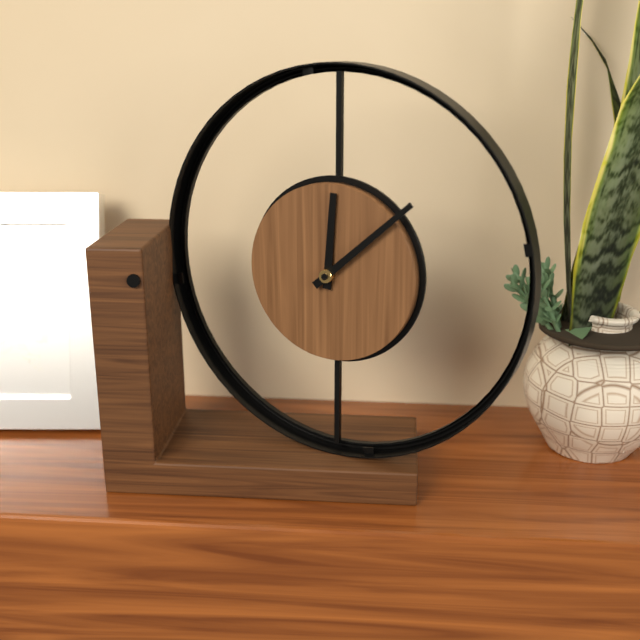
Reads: 12:08
